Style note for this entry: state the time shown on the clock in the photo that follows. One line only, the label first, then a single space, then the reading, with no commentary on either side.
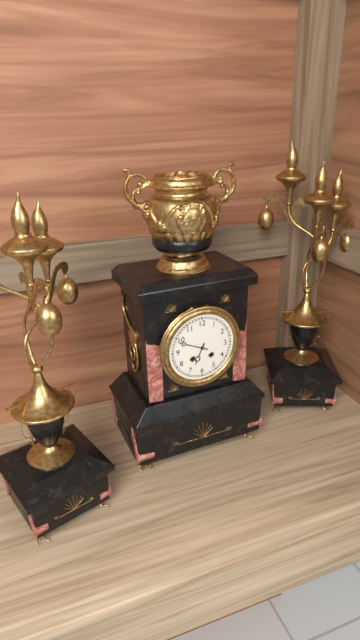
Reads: 6:49
